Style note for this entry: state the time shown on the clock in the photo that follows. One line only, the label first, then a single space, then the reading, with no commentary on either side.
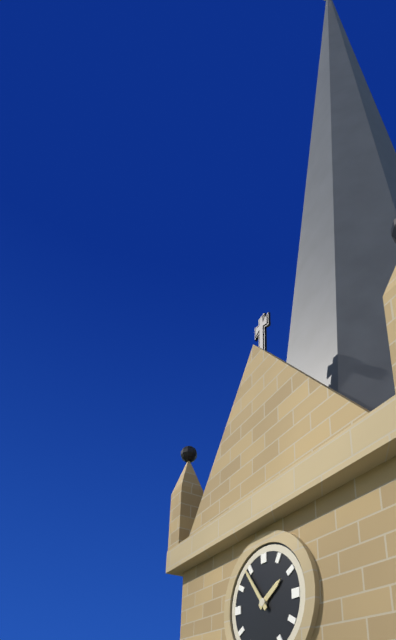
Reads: 1:54
